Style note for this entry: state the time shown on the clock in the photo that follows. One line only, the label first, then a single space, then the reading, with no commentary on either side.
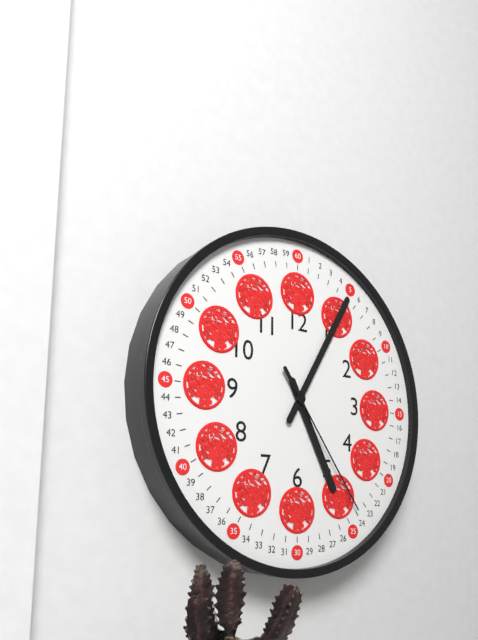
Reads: 5:05:24
